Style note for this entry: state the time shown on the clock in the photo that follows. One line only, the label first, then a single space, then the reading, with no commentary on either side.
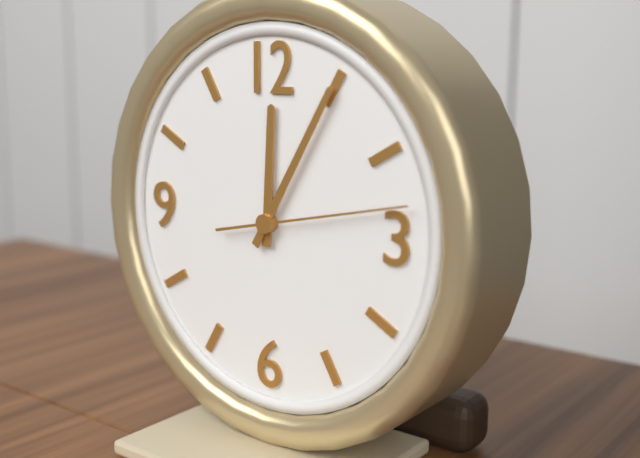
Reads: 12:05:13
